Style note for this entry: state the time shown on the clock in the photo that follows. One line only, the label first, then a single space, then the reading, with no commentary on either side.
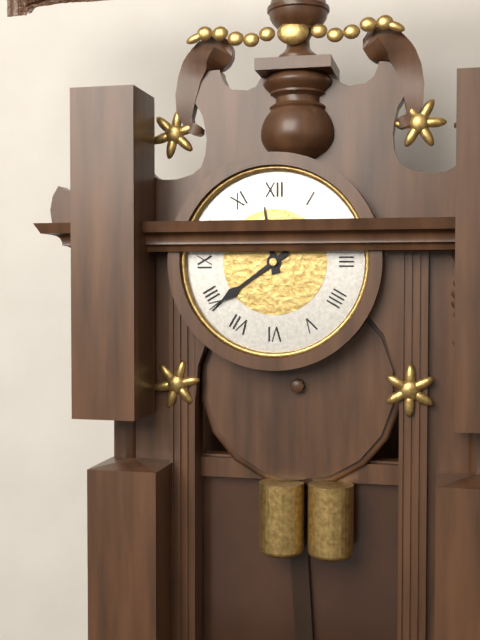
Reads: 11:39
